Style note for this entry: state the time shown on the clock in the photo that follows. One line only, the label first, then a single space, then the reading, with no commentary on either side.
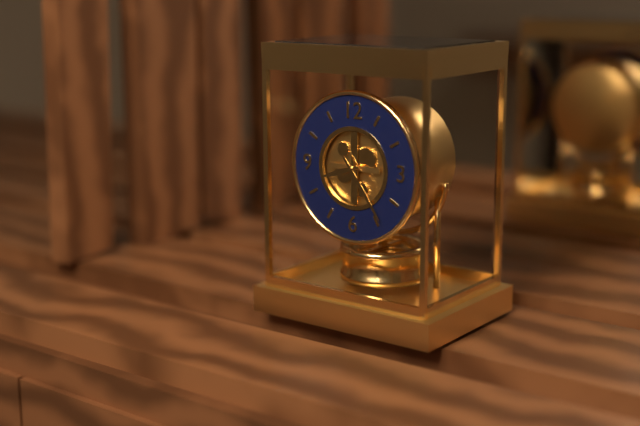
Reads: 8:24
